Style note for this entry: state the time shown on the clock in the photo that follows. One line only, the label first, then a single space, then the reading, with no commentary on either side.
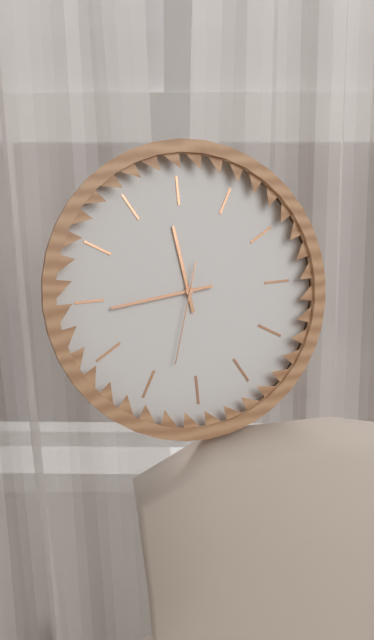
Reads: 11:44:33
